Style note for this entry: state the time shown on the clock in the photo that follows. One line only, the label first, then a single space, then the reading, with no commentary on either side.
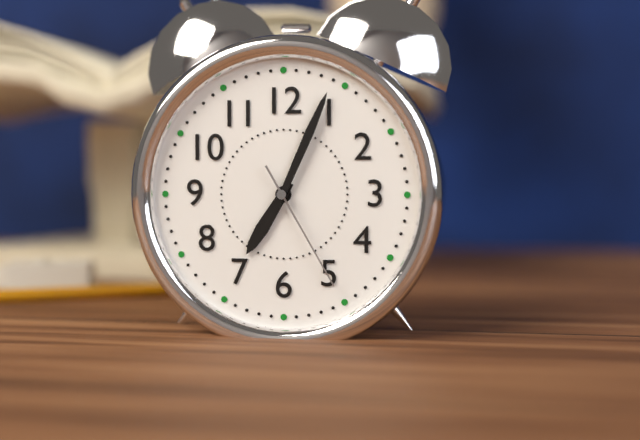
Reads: 7:04:25
